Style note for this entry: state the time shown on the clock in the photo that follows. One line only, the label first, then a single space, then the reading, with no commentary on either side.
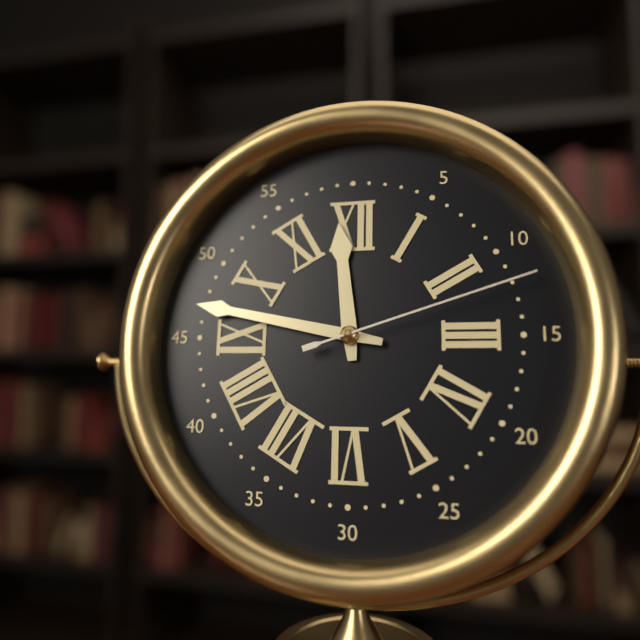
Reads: 11:47:12
